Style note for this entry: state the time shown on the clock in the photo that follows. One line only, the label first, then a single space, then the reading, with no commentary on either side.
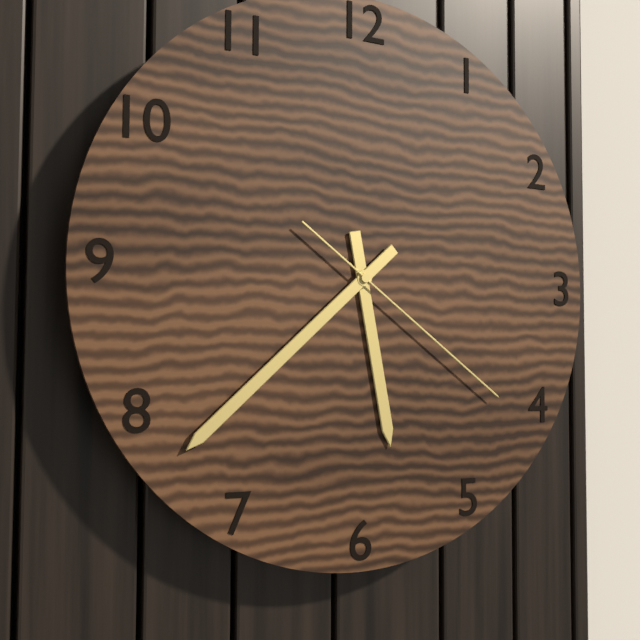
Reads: 5:38:21
